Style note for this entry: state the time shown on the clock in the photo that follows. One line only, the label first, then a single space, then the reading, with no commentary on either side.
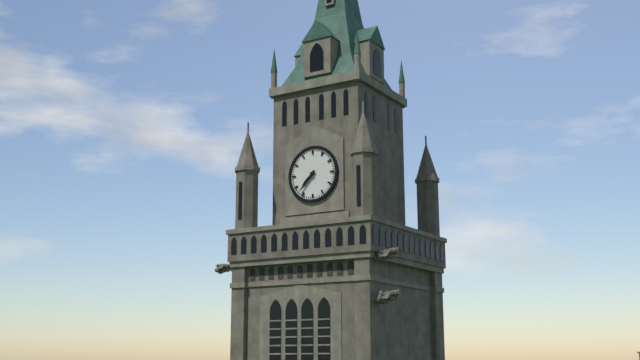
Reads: 7:37
